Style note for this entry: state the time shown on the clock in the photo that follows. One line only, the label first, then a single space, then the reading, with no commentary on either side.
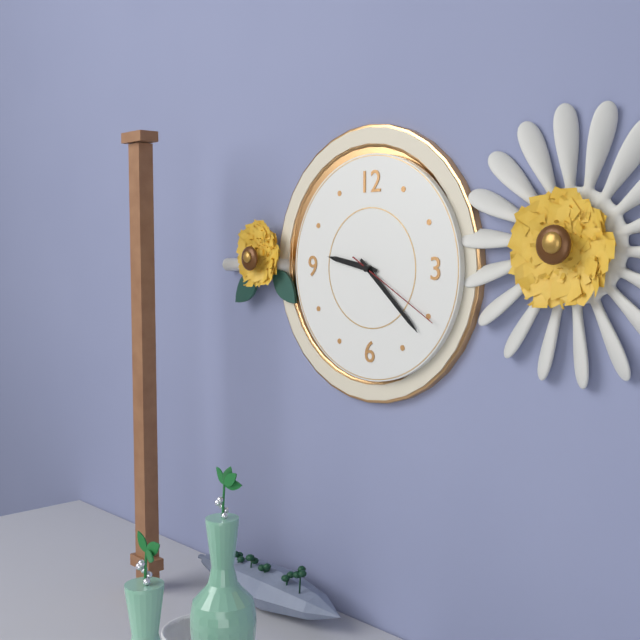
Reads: 9:22:20
